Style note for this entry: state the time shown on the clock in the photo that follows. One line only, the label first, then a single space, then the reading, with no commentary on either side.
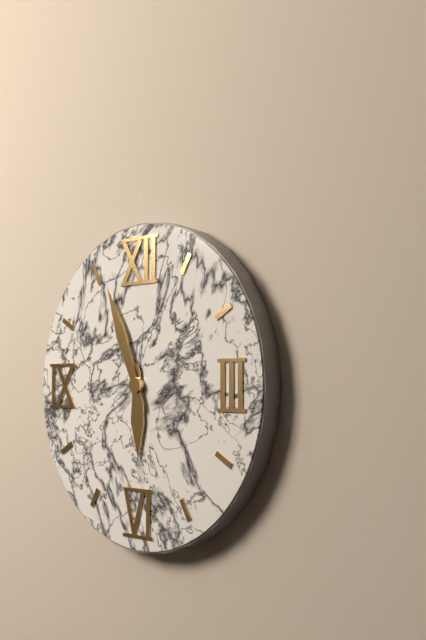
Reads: 5:56
